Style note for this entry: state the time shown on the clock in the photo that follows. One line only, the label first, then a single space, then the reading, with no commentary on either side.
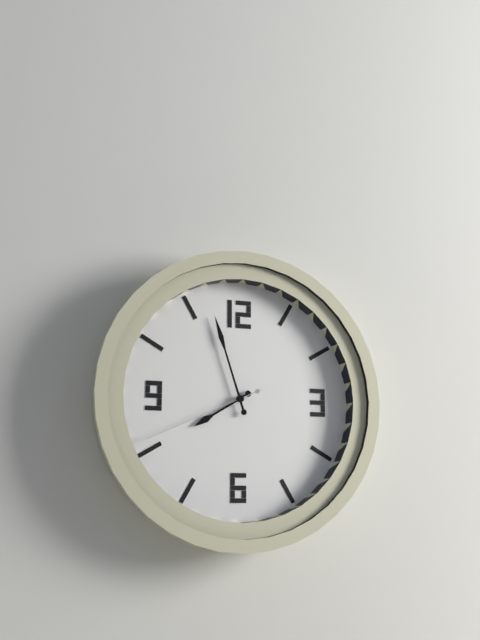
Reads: 7:57:41
